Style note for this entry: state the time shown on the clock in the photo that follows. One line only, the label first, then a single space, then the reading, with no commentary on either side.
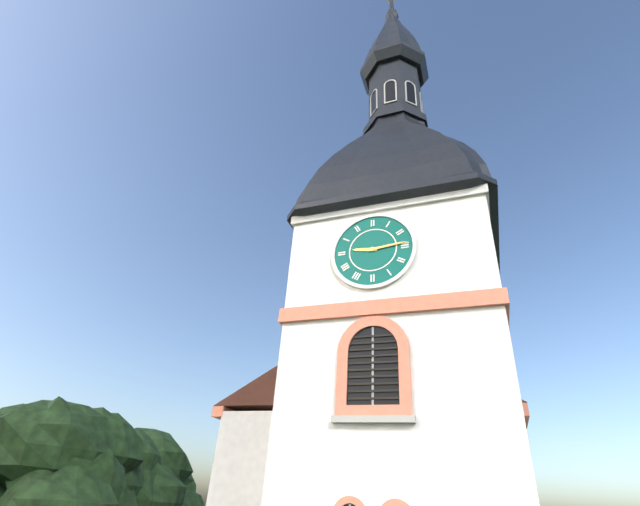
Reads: 9:14
